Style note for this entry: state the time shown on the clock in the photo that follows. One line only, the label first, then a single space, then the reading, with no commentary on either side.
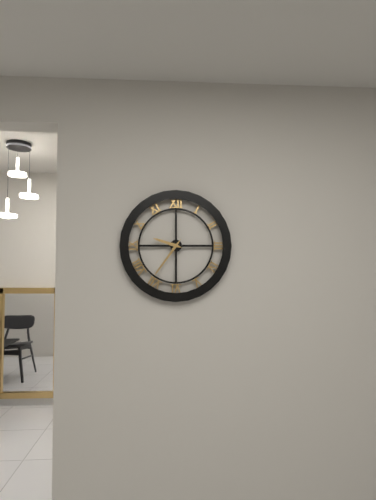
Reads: 9:36
